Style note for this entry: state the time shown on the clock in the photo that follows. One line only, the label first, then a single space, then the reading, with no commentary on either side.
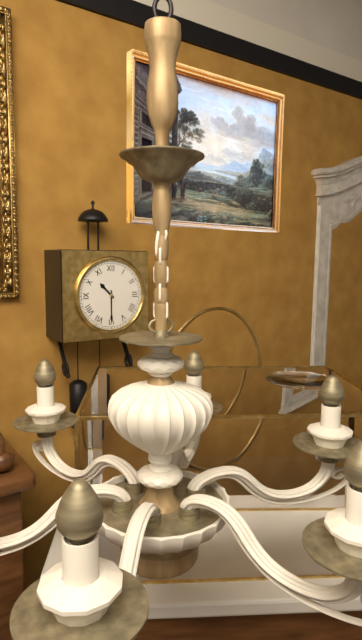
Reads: 10:30
